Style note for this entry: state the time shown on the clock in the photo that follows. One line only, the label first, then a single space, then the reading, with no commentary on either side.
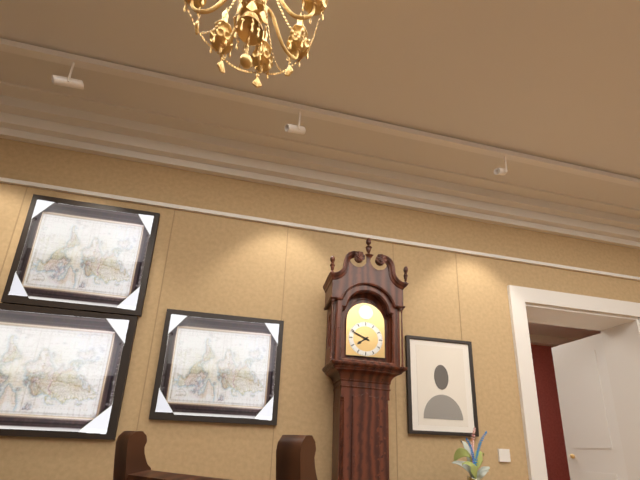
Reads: 7:49
